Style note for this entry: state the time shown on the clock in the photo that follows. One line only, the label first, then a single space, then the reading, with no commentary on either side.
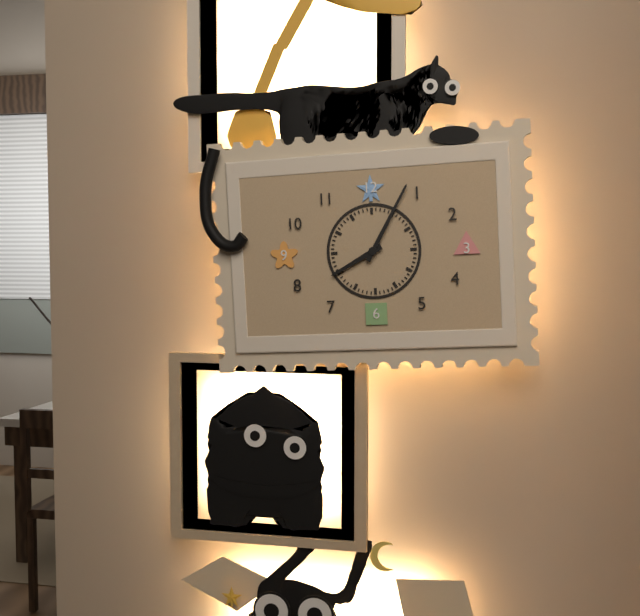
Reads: 8:05
